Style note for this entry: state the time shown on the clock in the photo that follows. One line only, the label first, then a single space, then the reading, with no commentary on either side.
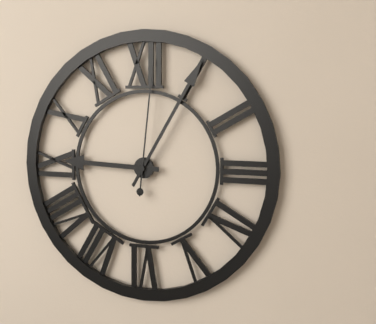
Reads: 9:05:01
